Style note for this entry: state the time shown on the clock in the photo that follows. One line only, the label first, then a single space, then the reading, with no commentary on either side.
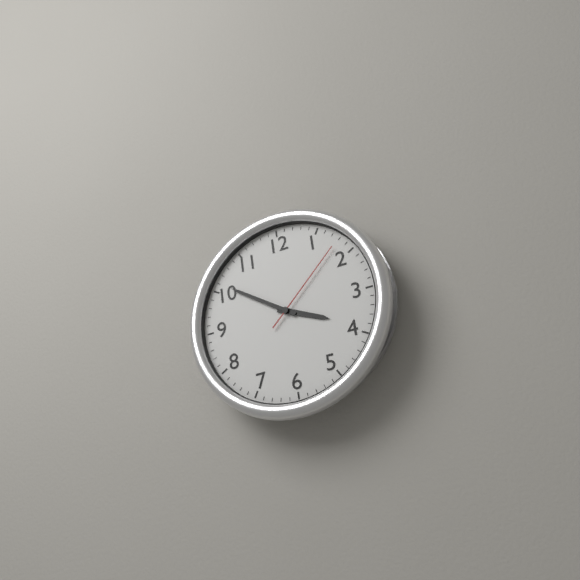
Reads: 3:51:08
